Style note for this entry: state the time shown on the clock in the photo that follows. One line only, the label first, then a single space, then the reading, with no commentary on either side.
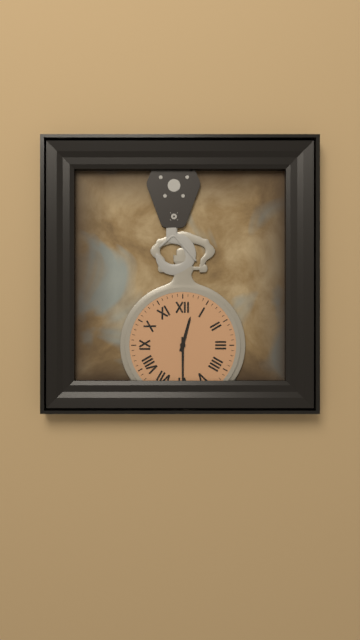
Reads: 12:30
